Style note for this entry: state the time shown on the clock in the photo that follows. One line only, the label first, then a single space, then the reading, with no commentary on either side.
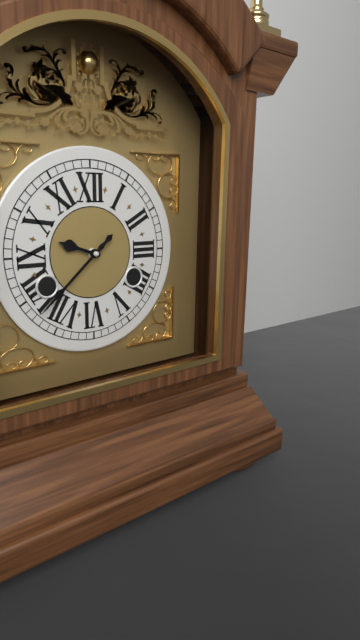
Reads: 9:38
